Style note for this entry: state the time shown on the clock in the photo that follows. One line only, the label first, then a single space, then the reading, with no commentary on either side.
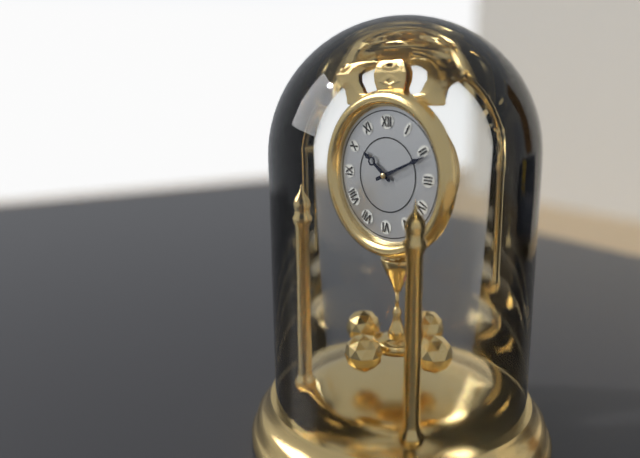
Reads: 10:11
